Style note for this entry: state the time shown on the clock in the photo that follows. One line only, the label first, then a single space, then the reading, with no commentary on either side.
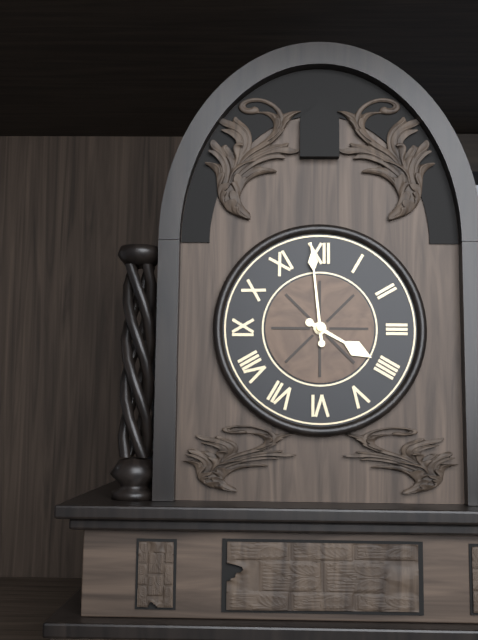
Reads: 3:59
